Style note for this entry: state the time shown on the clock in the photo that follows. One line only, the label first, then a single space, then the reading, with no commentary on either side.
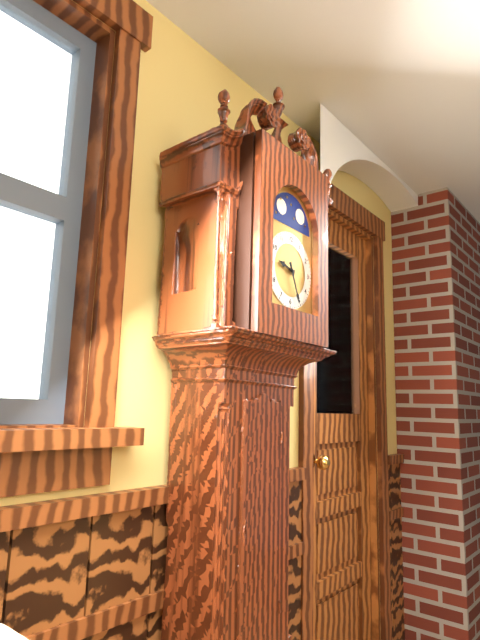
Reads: 9:26
